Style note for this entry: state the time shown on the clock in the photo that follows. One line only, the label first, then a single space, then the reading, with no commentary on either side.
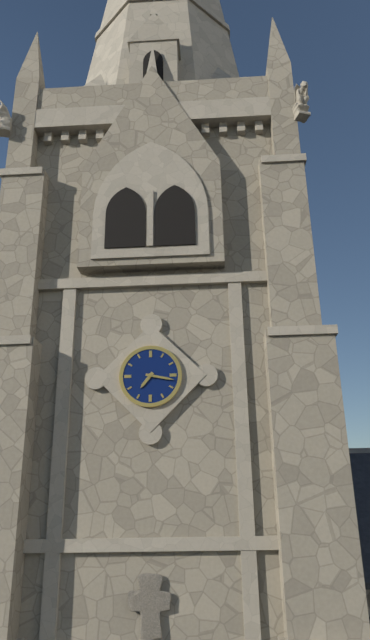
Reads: 7:17
